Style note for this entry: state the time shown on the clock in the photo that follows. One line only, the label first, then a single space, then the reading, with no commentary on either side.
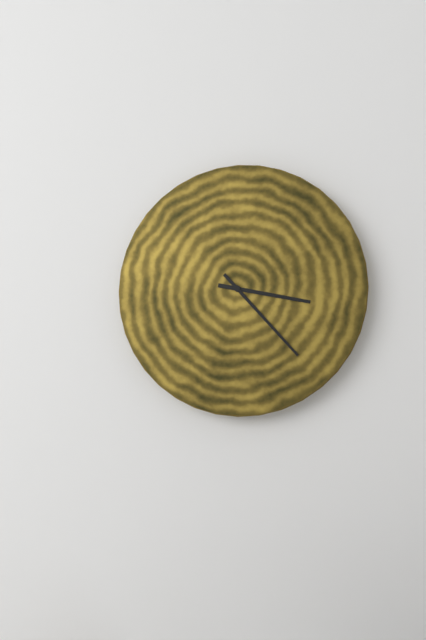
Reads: 3:23
